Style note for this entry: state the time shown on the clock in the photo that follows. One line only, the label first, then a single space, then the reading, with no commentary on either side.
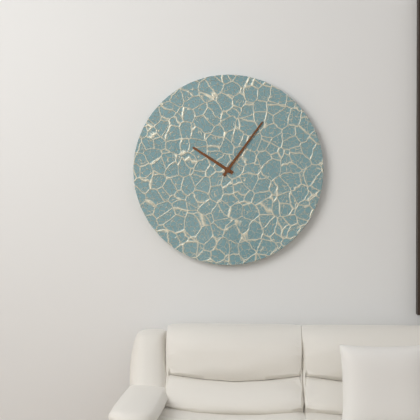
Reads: 10:06
